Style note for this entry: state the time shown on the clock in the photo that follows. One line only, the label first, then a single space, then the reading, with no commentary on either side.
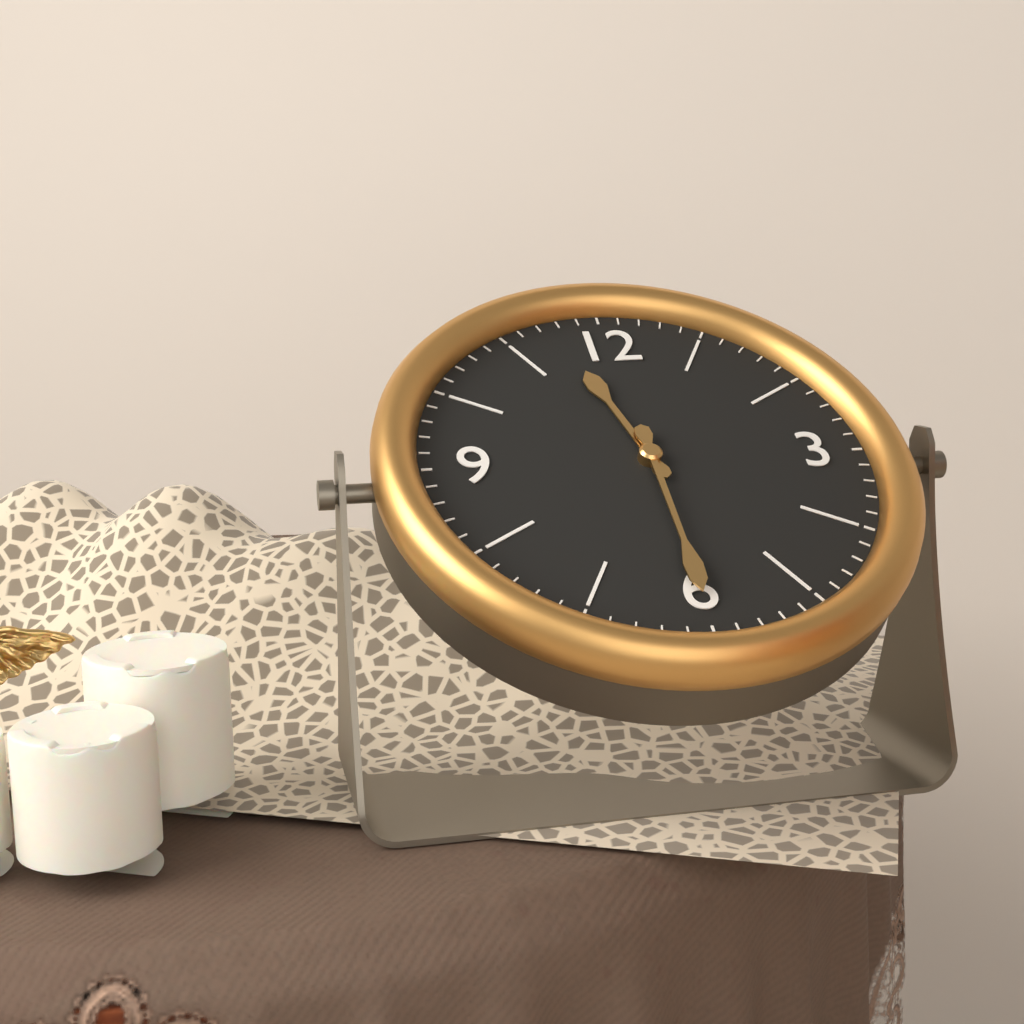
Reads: 11:30
